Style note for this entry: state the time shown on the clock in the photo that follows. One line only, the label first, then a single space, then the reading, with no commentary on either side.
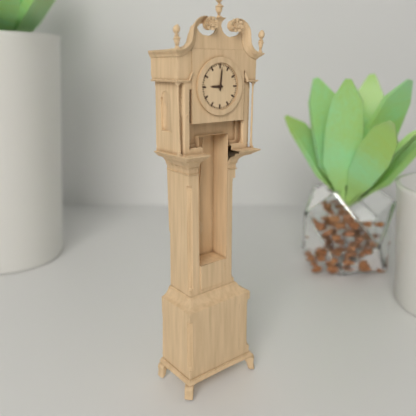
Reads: 9:01
